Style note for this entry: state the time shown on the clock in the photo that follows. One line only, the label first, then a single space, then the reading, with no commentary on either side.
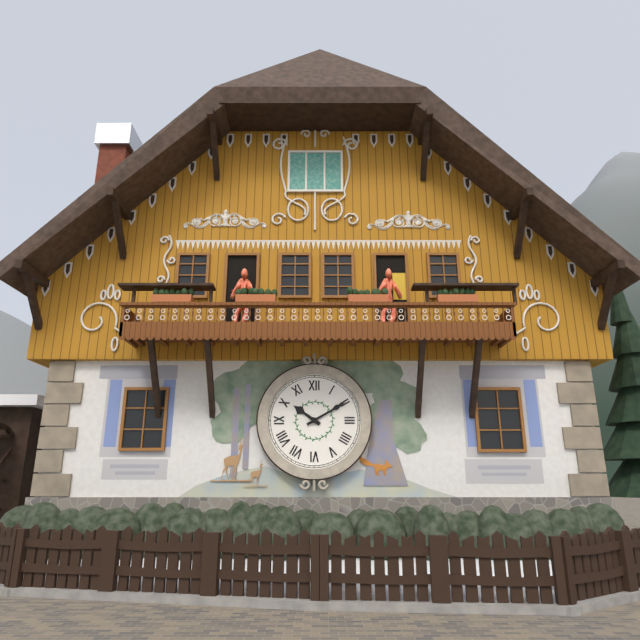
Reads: 10:10
